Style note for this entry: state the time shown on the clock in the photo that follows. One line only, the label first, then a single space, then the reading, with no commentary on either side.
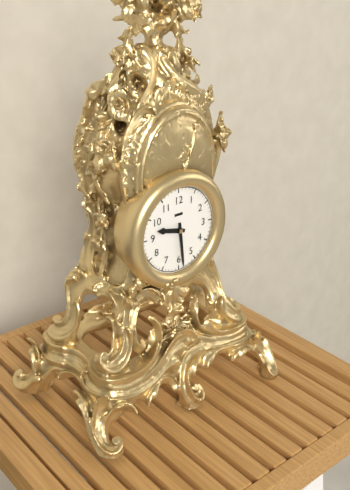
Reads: 9:29
